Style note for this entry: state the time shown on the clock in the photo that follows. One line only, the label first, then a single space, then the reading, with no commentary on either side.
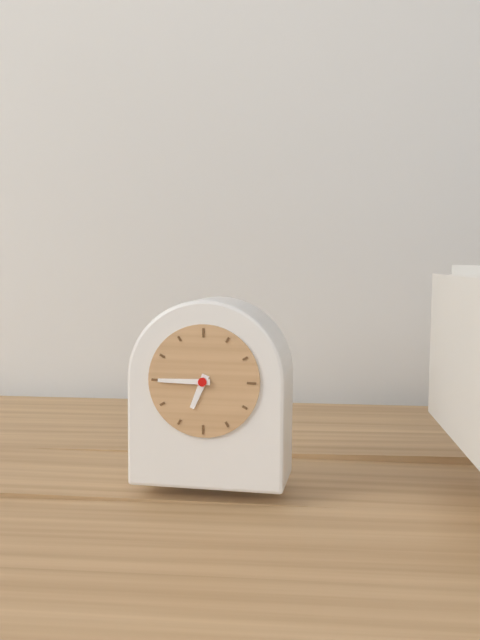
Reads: 6:45
